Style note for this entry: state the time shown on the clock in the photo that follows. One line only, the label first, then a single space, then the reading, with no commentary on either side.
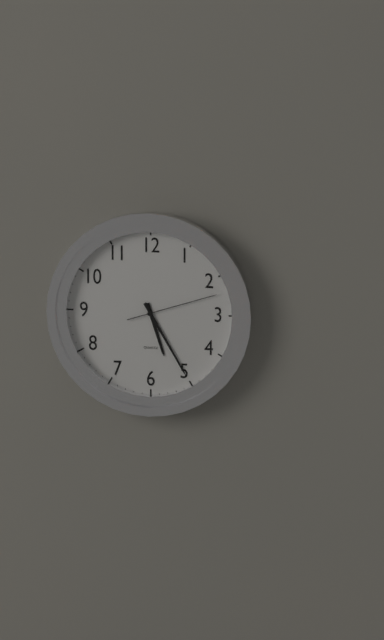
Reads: 5:25:12
